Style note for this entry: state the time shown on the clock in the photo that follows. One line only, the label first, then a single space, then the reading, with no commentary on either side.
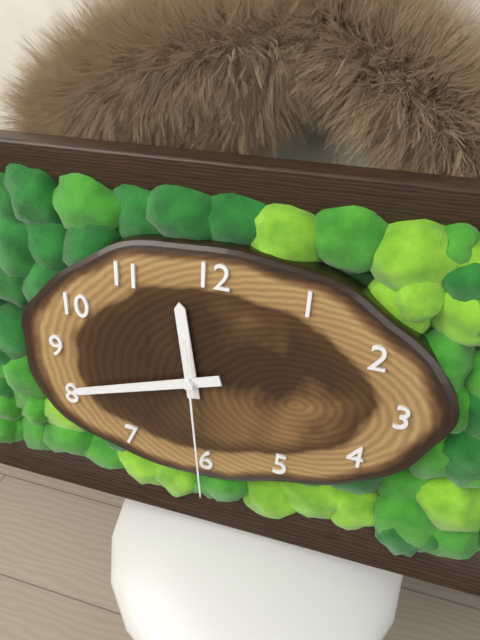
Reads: 11:42:29
